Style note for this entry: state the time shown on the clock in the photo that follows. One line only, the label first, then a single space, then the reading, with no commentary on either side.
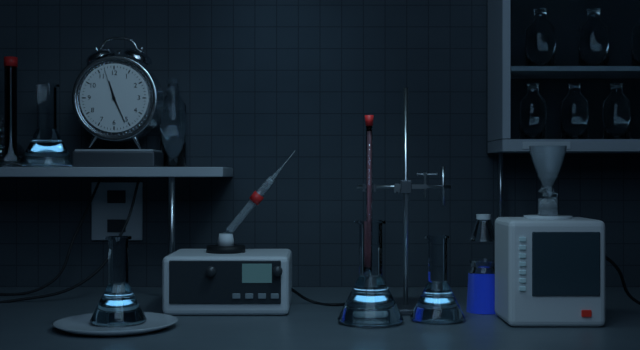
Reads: 11:26
